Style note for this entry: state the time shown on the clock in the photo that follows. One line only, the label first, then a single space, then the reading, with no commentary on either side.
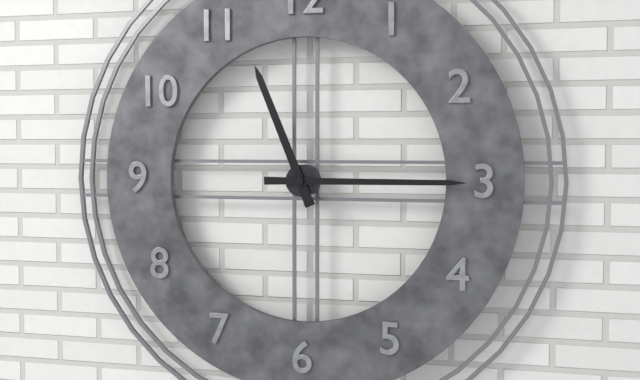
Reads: 11:15
